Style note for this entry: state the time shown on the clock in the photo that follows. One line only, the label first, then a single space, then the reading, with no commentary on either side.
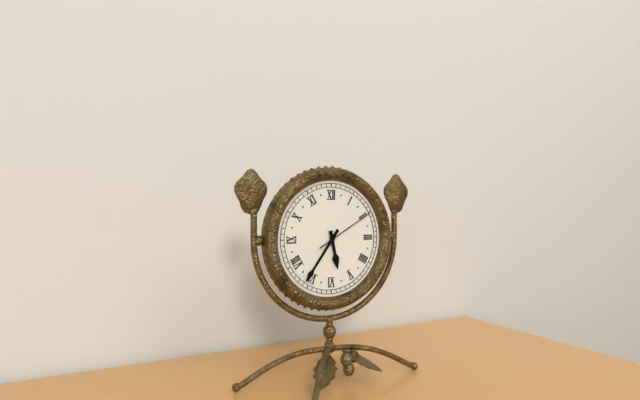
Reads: 5:36:10
